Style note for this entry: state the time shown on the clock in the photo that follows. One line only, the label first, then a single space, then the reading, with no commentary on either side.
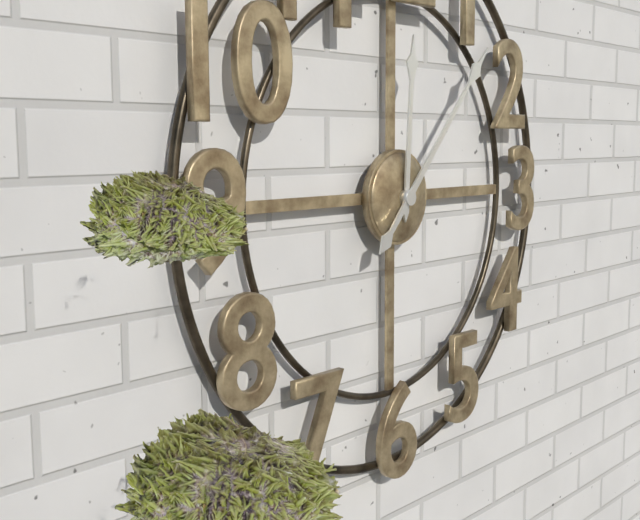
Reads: 12:07
